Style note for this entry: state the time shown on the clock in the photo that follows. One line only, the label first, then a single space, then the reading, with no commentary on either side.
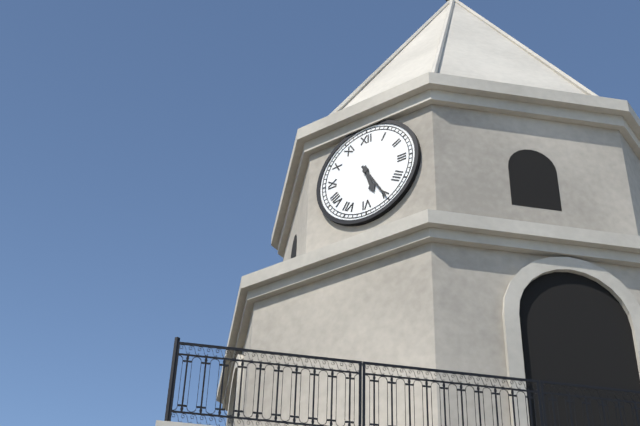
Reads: 5:25
